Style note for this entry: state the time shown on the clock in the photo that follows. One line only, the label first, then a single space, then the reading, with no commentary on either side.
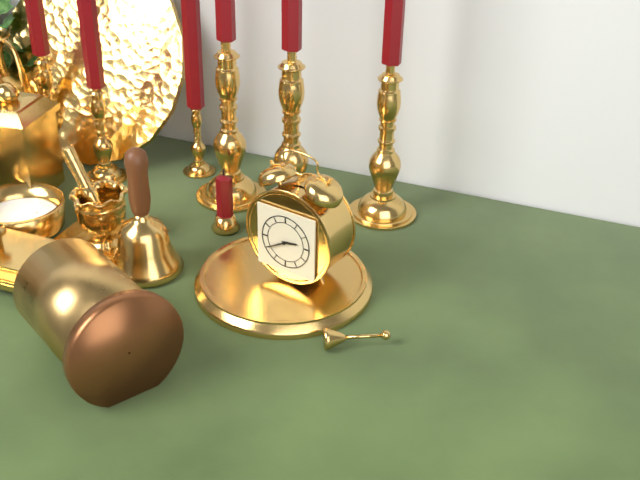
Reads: 2:40
